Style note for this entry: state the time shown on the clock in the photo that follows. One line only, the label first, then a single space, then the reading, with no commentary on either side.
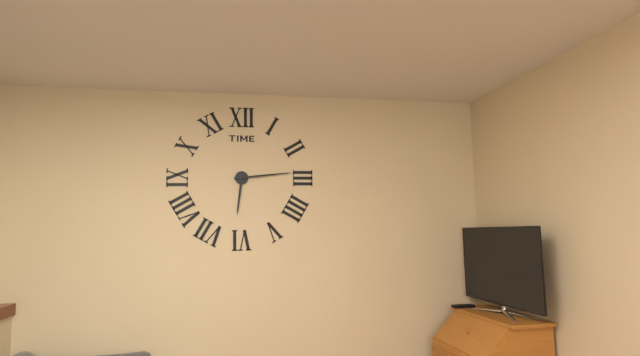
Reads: 6:14
